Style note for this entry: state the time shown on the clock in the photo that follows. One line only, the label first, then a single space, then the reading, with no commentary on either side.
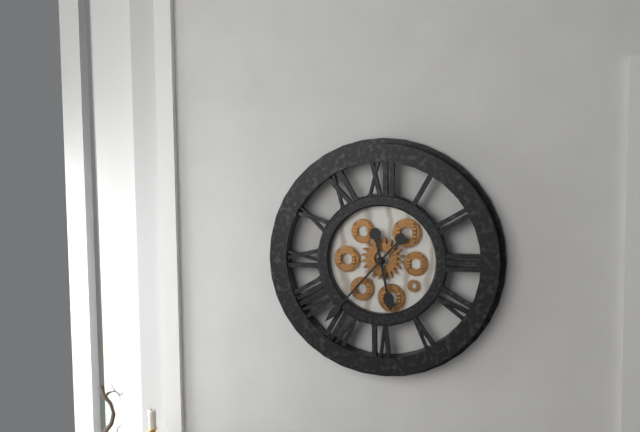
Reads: 5:37
